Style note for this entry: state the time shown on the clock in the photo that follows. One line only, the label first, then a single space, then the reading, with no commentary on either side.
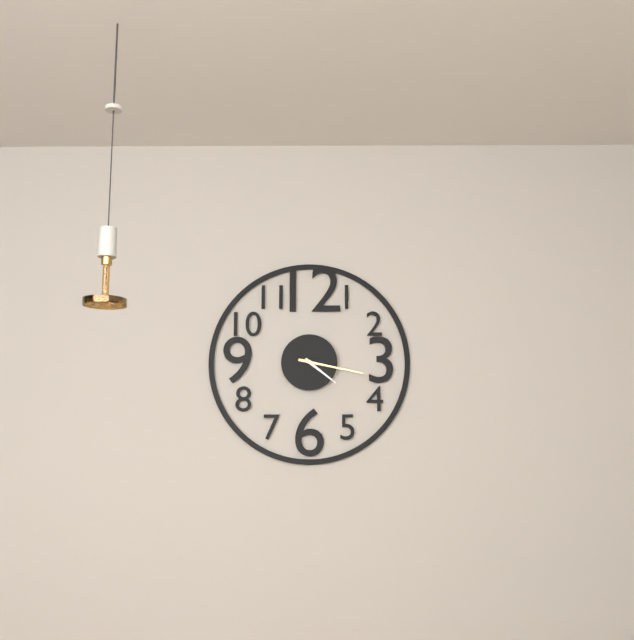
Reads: 4:17
